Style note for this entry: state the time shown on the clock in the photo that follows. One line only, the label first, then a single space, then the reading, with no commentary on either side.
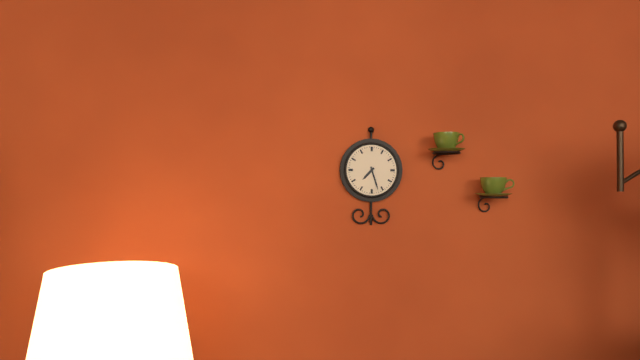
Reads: 7:27
